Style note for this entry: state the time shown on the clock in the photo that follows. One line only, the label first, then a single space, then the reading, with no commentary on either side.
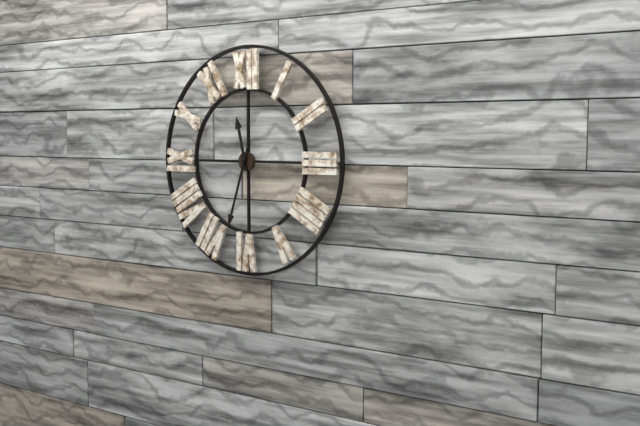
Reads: 11:33
